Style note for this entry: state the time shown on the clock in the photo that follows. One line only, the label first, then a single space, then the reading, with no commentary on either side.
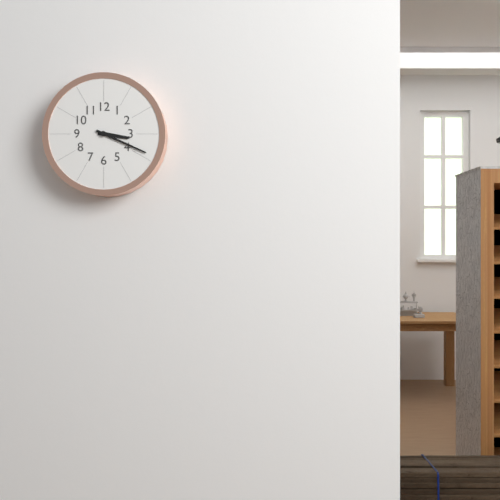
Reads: 3:19
